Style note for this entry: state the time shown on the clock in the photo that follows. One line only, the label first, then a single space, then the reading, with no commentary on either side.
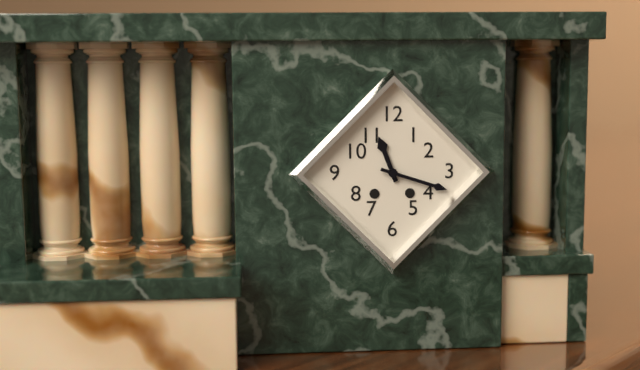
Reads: 11:18
